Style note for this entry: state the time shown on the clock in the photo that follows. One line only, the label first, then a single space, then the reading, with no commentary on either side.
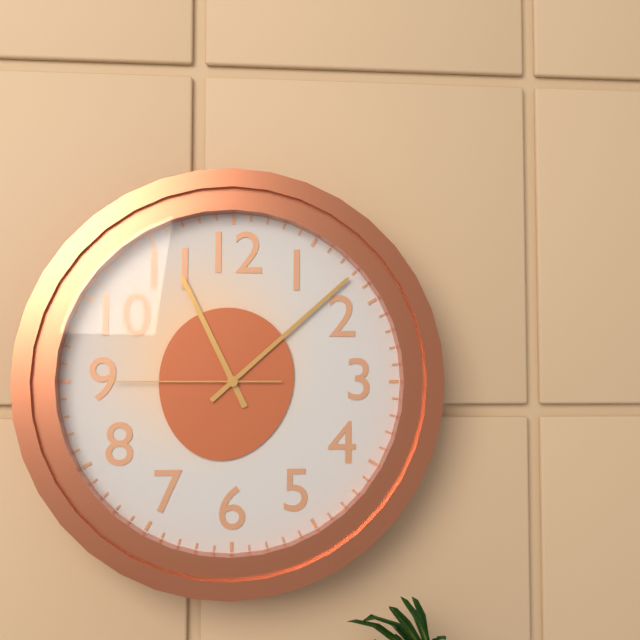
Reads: 11:08:45
